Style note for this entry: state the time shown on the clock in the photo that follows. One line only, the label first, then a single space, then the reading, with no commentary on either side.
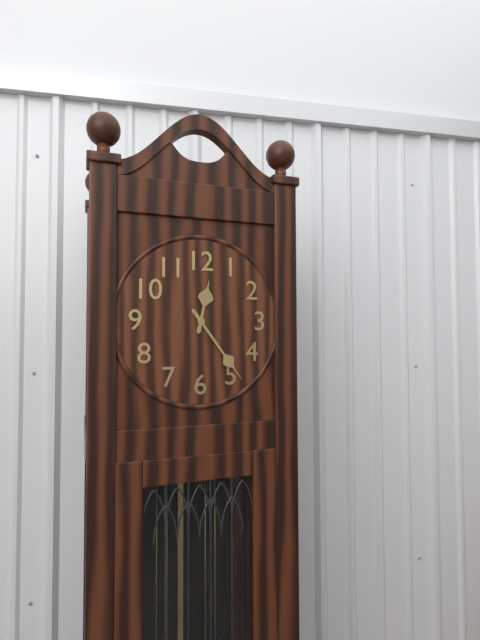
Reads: 12:24
